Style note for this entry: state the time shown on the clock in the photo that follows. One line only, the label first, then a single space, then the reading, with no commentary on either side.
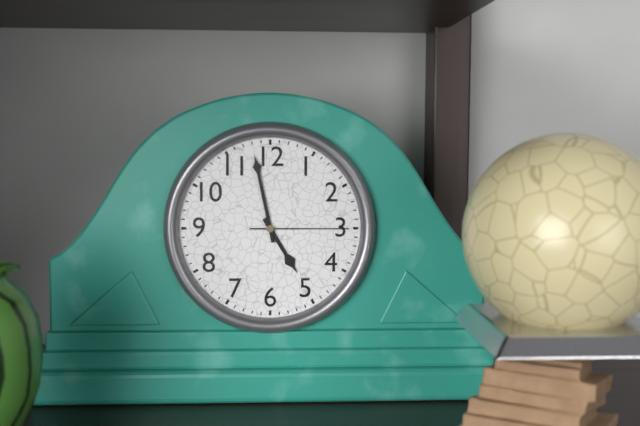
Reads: 4:58:15
